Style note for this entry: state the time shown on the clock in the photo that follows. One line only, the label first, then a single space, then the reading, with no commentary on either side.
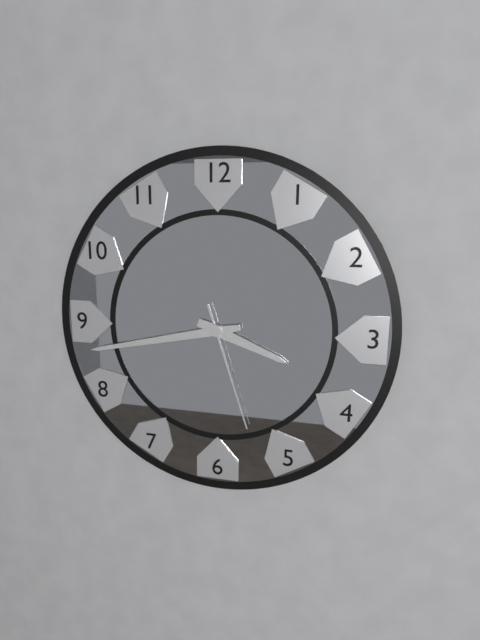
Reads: 3:43:27
